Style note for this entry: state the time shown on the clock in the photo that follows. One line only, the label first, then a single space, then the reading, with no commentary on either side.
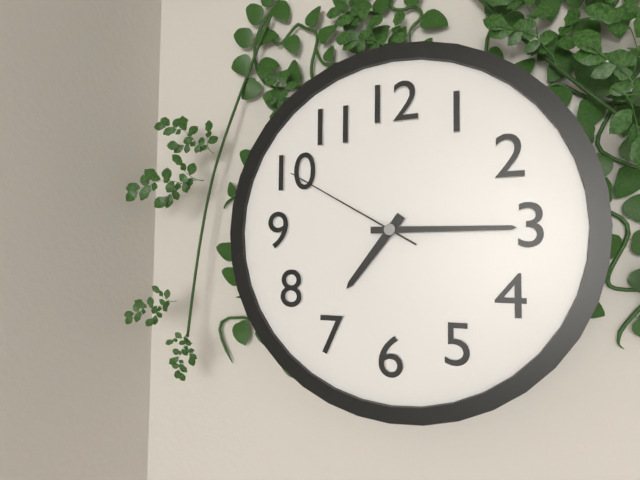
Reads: 7:15:50
